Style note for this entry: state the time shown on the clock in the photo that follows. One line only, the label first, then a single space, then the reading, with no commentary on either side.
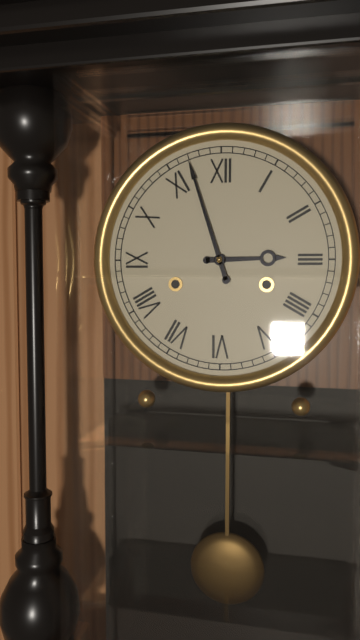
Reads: 2:57
